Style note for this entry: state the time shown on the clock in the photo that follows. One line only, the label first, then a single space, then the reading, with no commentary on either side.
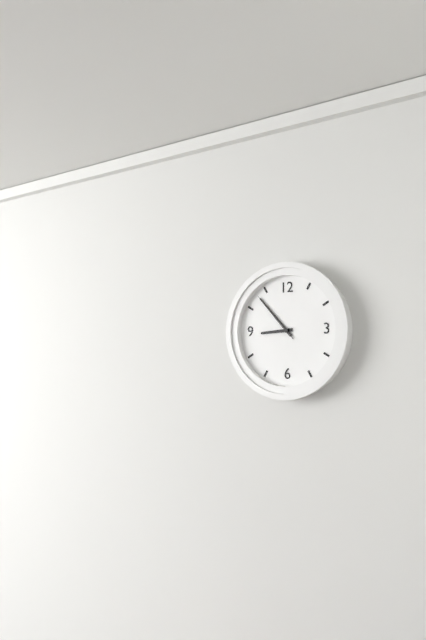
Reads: 8:53:53
